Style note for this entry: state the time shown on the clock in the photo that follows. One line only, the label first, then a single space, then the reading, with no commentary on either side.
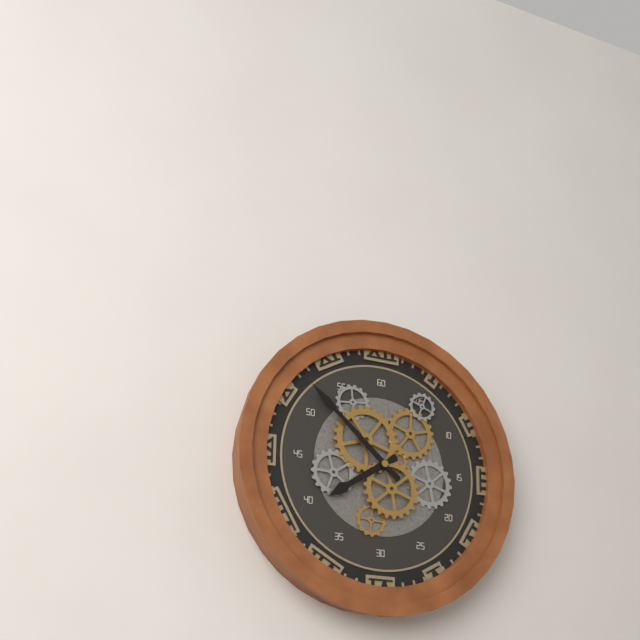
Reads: 7:52
